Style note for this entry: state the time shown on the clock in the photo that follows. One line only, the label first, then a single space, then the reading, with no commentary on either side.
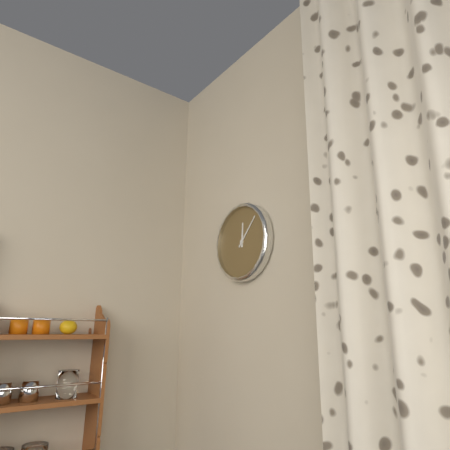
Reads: 12:07
